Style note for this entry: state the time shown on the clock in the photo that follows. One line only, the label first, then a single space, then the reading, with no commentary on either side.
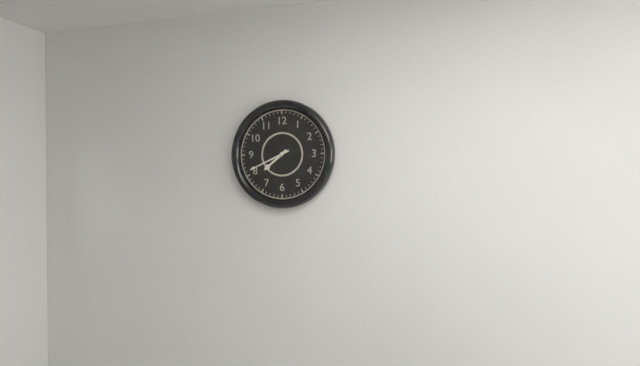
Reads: 7:41
